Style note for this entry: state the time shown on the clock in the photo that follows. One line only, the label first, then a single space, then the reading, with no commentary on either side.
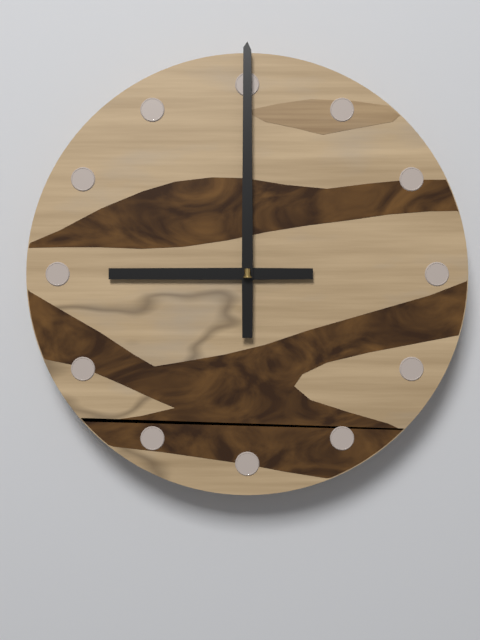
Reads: 9:00
